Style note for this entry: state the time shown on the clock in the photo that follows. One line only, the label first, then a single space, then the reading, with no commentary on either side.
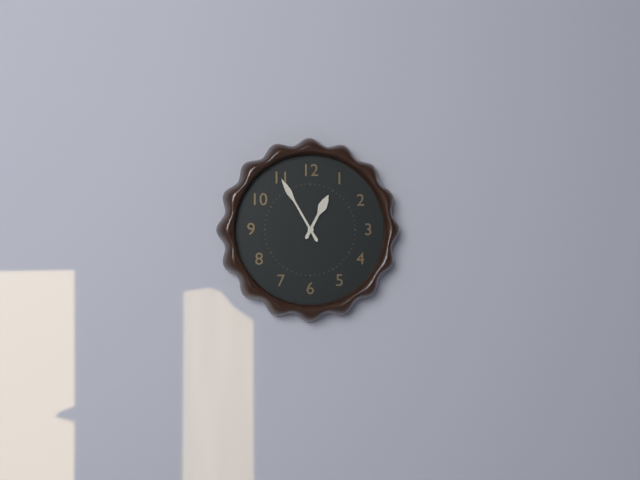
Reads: 12:55
